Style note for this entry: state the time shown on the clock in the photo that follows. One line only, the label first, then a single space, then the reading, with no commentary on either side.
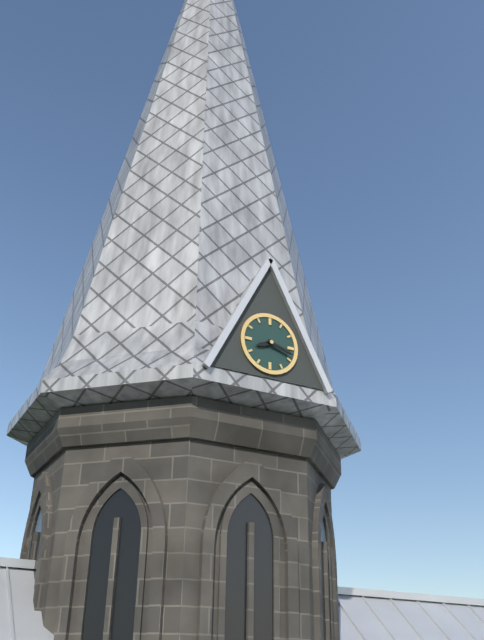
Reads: 8:18
